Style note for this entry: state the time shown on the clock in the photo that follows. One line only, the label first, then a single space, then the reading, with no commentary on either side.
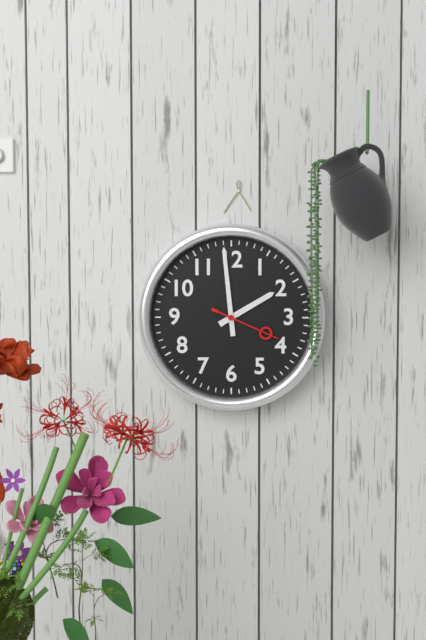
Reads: 1:59:19
